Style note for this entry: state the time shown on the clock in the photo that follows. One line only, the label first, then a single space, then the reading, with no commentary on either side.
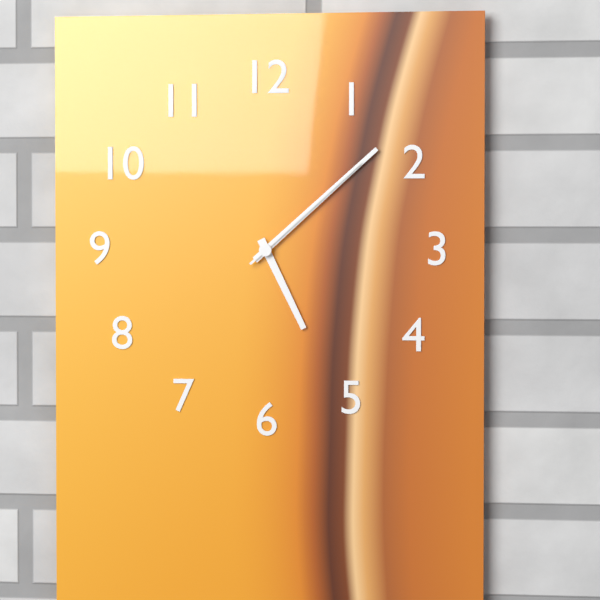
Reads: 5:08:08
